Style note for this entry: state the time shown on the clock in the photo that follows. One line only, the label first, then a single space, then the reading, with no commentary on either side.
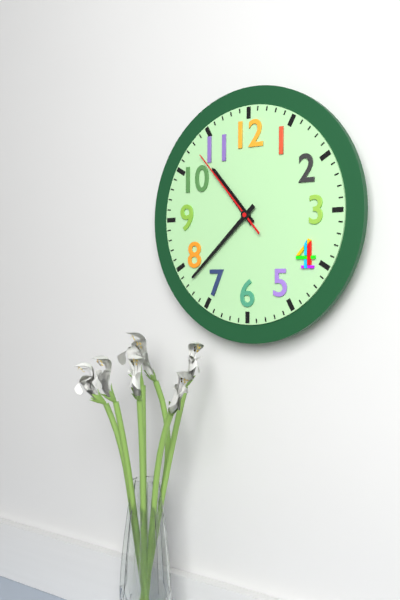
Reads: 10:38:53
